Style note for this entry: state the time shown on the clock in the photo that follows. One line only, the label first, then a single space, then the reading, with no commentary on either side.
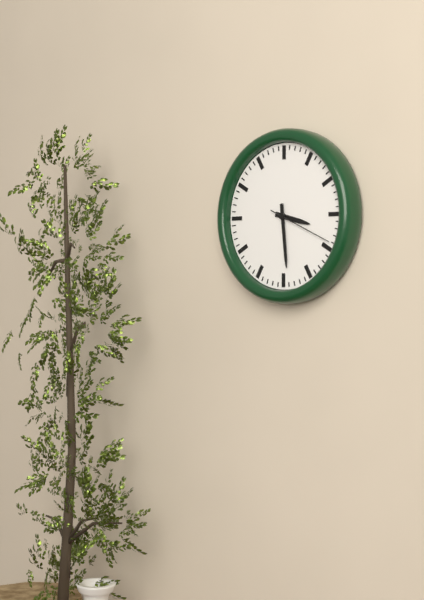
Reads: 3:29:19
